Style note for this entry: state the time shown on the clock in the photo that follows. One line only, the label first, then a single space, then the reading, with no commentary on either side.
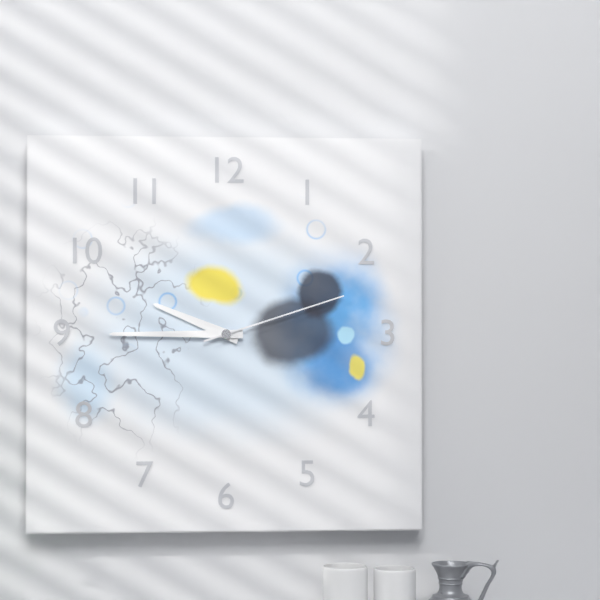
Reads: 9:45:12
